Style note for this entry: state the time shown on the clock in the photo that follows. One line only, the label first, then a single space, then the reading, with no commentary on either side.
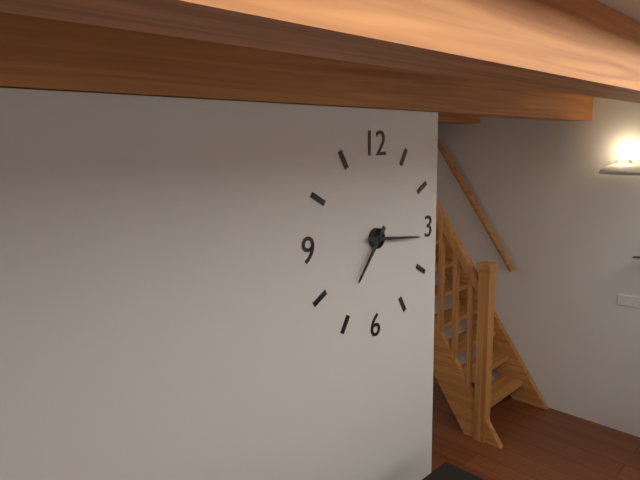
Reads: 7:16
